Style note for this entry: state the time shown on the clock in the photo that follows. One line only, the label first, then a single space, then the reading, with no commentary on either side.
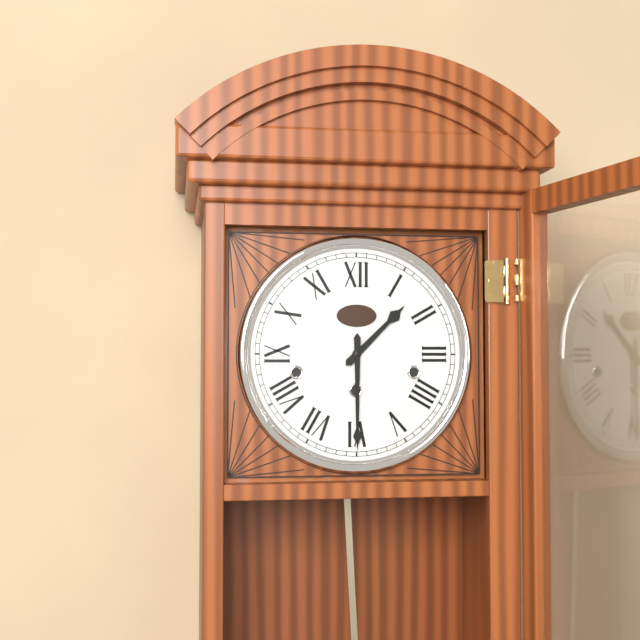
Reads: 1:30
